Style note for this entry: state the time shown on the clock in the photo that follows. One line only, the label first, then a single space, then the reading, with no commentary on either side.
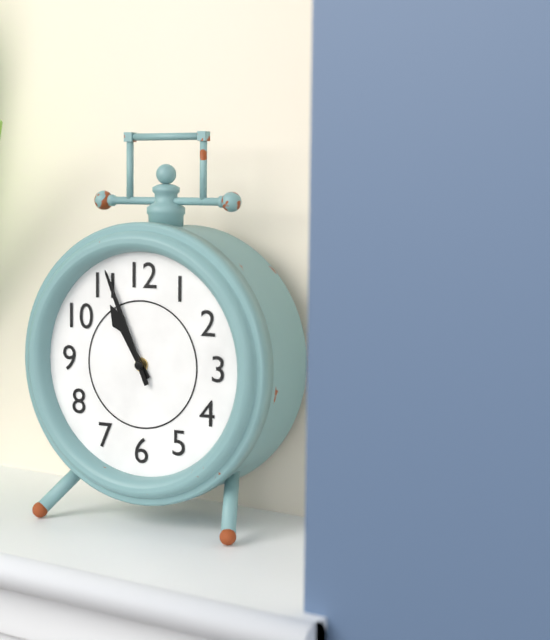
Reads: 10:56
